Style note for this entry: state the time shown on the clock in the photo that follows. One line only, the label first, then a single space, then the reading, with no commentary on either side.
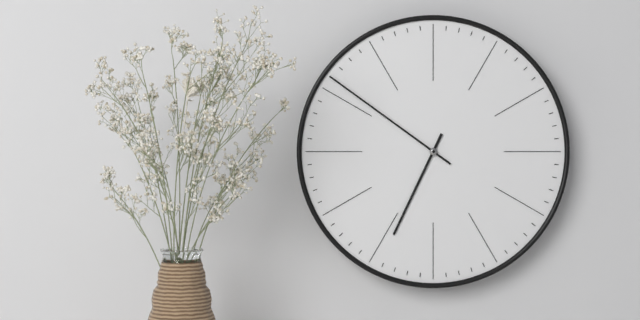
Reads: 6:51
